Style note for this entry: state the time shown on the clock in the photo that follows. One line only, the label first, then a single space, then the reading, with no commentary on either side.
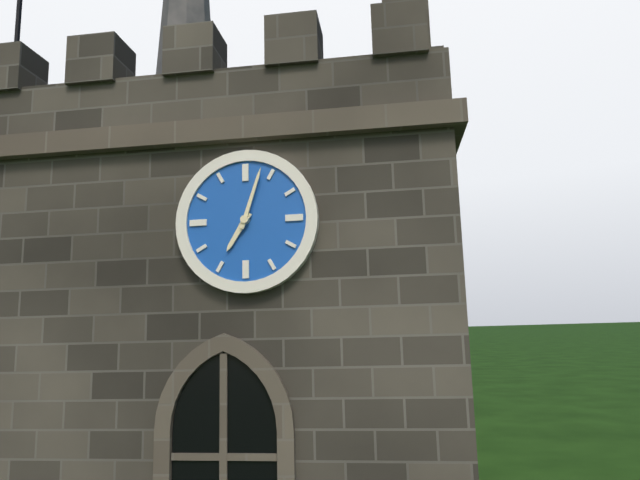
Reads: 7:03
